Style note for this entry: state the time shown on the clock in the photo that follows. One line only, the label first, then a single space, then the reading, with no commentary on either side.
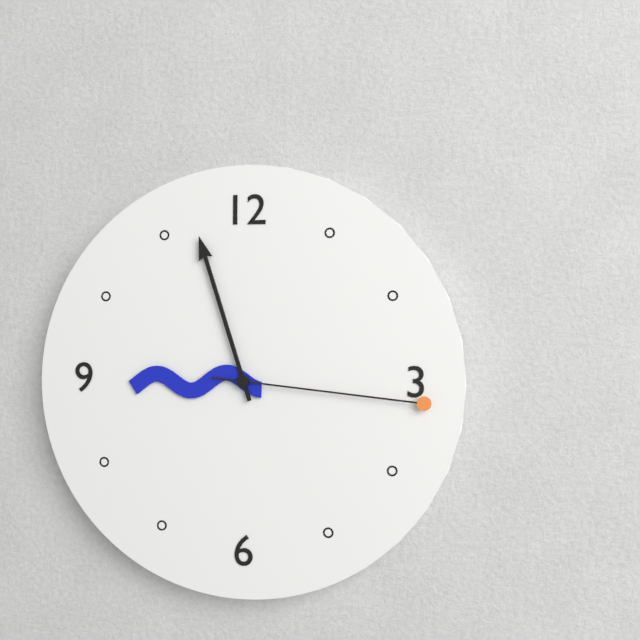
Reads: 8:57:16
